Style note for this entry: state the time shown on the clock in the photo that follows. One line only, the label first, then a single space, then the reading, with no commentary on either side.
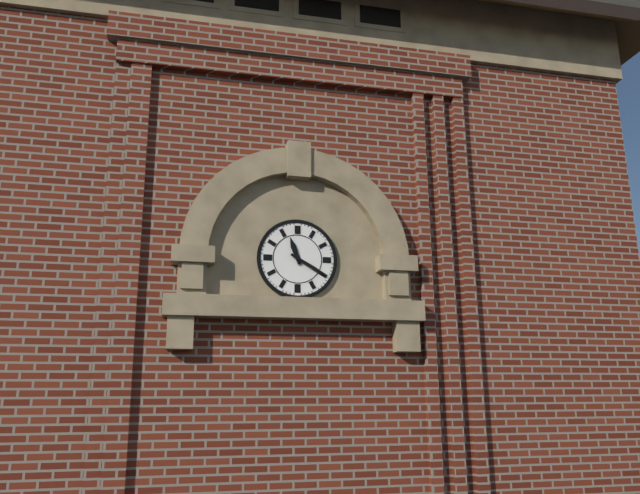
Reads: 11:20
